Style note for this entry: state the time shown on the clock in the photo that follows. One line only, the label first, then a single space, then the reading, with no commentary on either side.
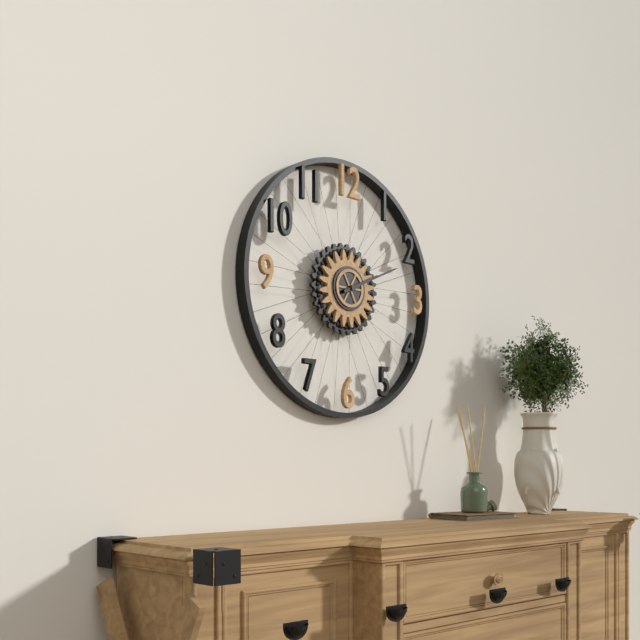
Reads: 2:11
